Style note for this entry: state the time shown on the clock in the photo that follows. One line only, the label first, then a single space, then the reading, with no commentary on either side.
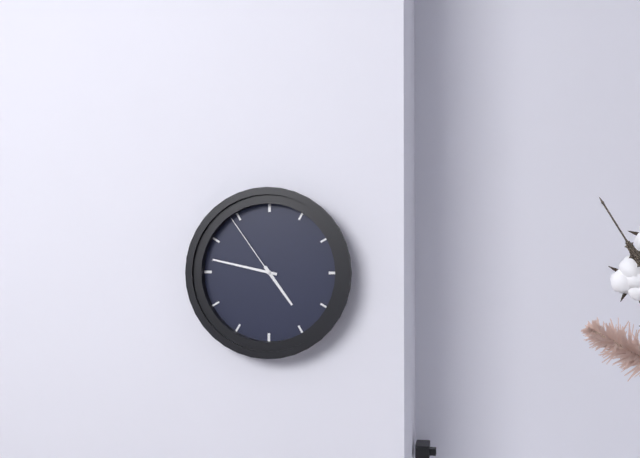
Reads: 4:47:54
